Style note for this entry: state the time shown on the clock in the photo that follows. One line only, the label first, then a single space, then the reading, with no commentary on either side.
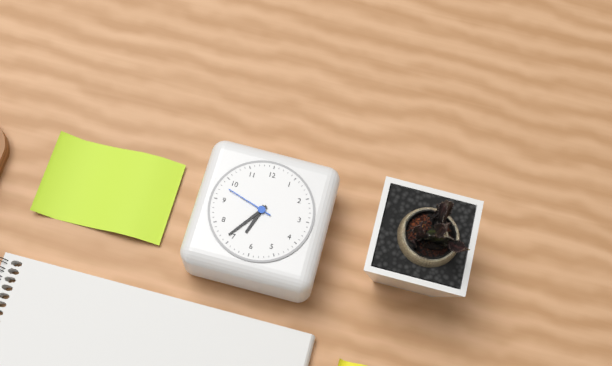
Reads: 6:36
